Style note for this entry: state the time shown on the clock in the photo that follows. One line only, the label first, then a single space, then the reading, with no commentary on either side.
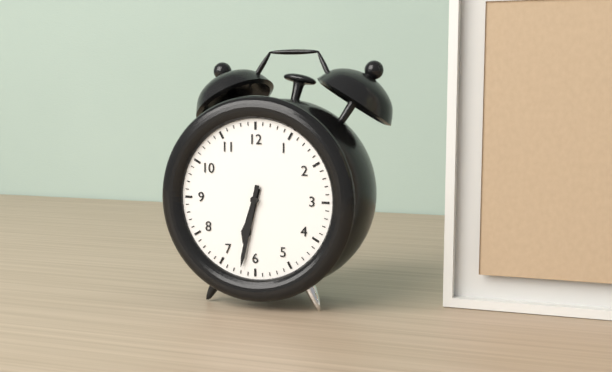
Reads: 6:32
